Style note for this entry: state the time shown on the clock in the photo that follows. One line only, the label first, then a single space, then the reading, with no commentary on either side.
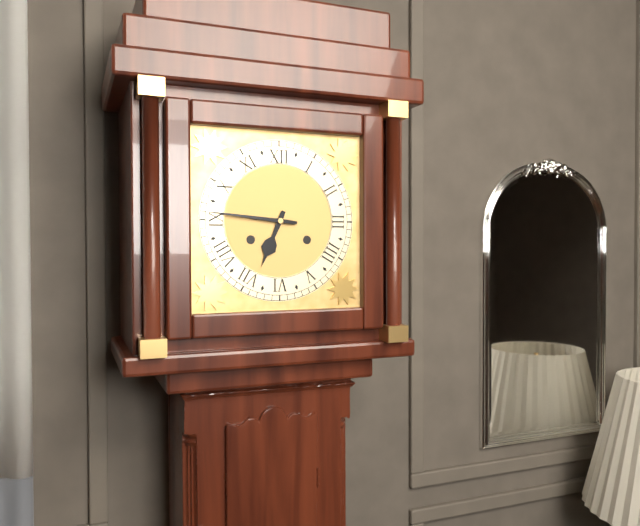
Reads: 6:46
